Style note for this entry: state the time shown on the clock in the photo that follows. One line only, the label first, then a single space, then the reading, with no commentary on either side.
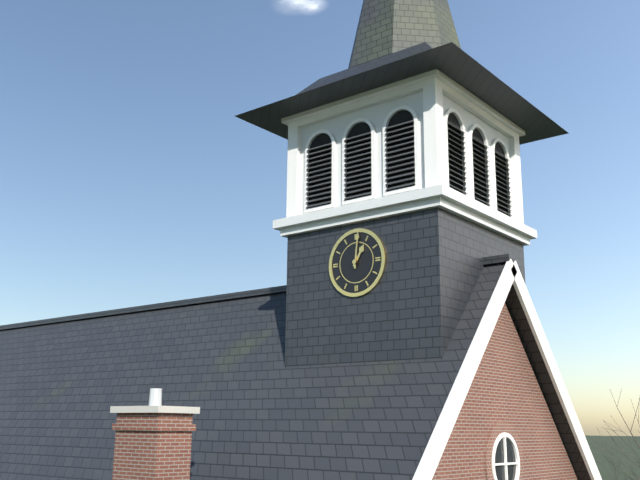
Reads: 1:01
